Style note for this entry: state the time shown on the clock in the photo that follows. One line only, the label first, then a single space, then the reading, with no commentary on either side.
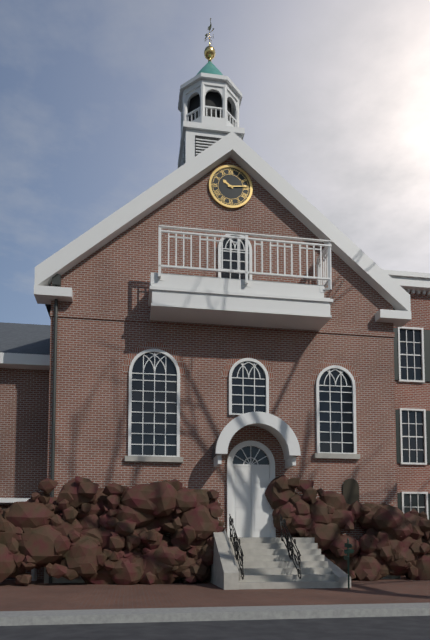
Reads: 10:14
